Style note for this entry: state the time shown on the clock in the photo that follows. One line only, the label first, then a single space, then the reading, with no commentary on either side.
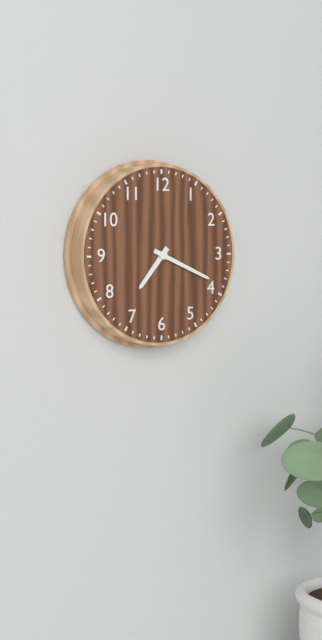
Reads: 7:19
